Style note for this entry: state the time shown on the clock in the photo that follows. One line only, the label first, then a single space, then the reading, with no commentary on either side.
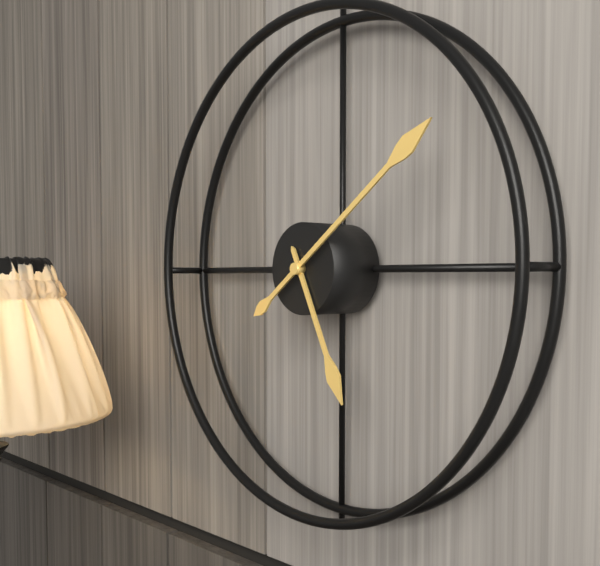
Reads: 5:09
